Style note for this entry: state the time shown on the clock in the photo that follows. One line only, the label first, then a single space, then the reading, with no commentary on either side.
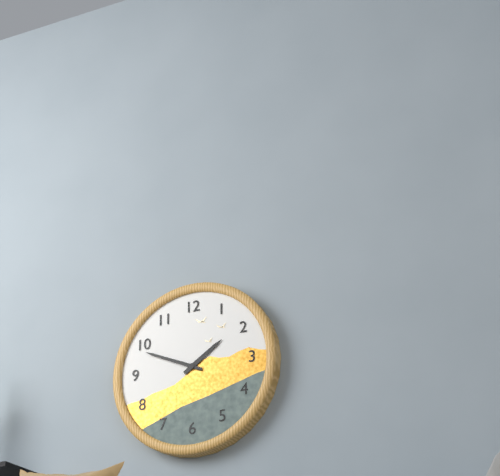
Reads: 1:49
